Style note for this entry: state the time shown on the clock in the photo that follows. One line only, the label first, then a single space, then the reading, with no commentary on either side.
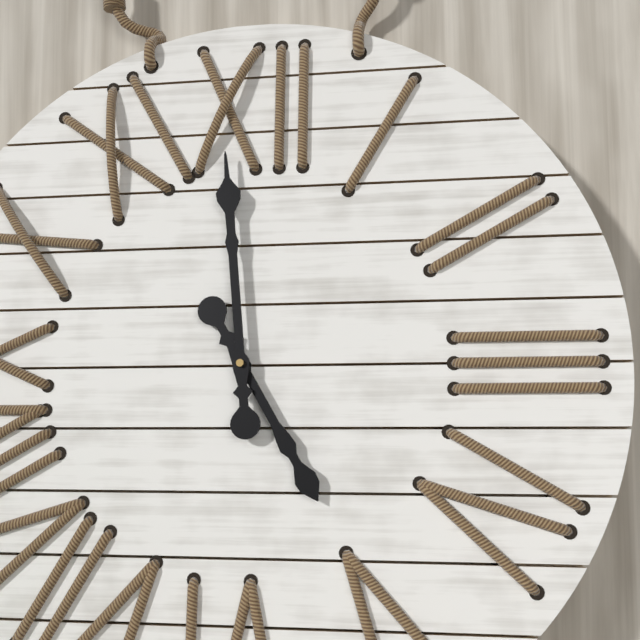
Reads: 4:59
